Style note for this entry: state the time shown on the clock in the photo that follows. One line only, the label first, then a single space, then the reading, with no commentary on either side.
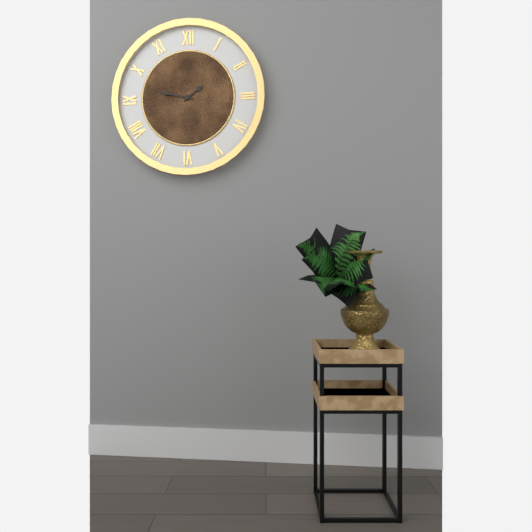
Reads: 1:47
